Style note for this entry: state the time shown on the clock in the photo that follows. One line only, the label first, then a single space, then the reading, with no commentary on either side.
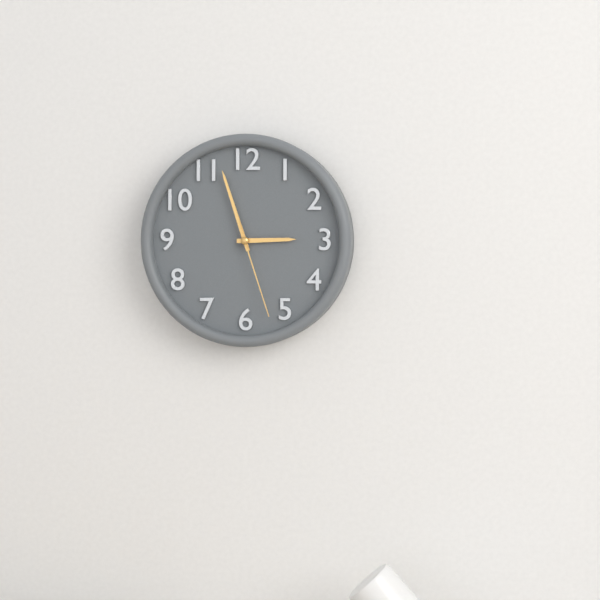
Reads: 2:57:27
